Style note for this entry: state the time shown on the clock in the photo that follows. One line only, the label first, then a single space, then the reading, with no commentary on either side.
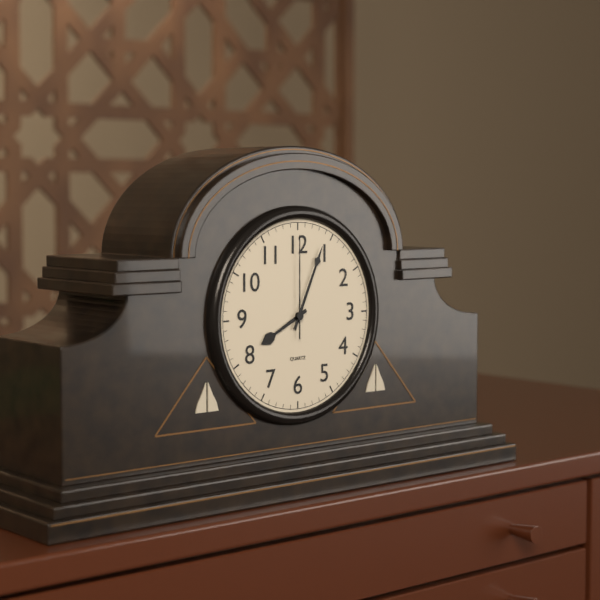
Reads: 8:04:00
